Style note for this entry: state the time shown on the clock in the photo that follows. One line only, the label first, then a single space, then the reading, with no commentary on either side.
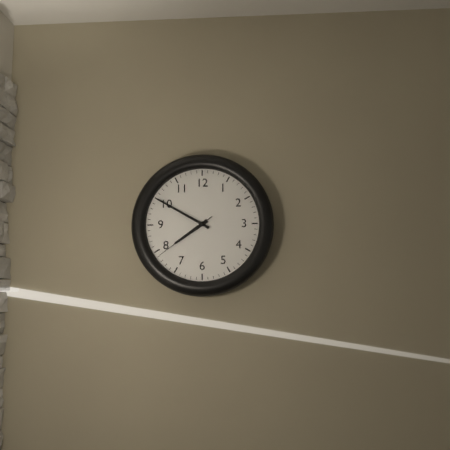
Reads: 7:50:39
